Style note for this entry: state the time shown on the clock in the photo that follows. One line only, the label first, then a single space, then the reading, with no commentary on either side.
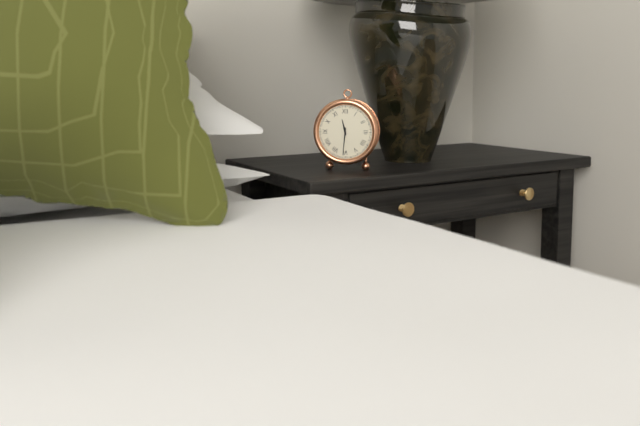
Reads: 11:31
